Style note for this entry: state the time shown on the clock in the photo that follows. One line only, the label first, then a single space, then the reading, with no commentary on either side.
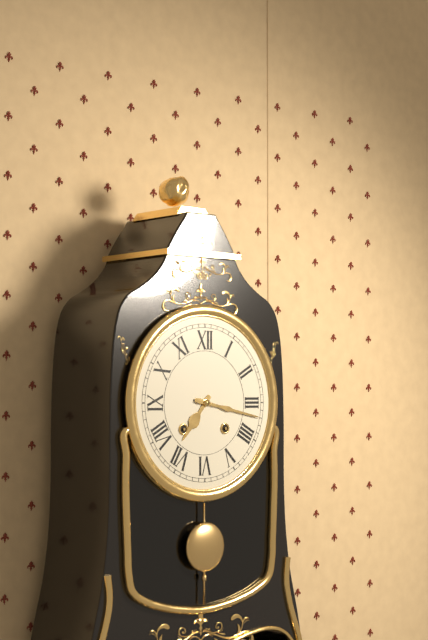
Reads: 7:17
